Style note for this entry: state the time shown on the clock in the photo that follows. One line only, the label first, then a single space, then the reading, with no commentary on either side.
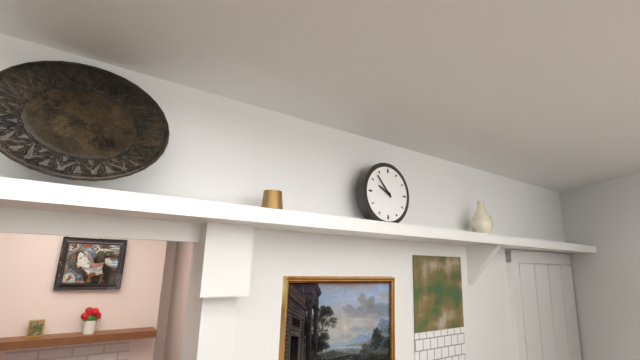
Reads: 9:53
